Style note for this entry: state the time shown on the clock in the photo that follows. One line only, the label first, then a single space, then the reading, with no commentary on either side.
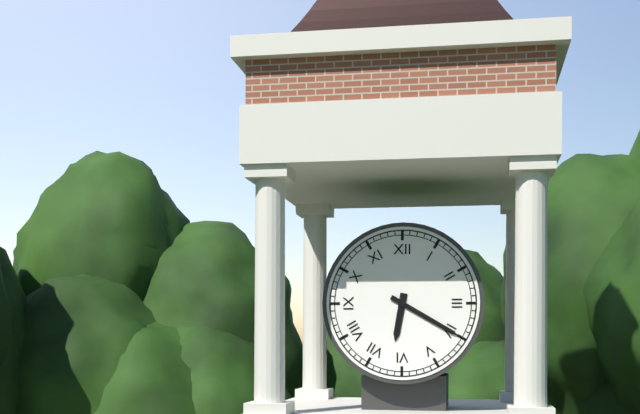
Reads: 6:20
